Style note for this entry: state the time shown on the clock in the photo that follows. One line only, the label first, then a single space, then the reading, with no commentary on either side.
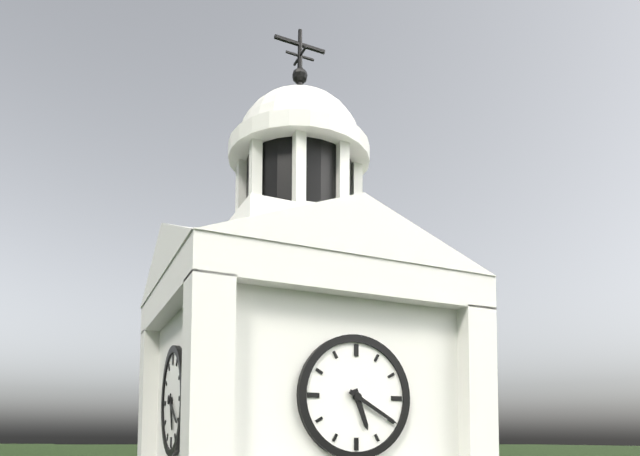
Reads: 5:20
